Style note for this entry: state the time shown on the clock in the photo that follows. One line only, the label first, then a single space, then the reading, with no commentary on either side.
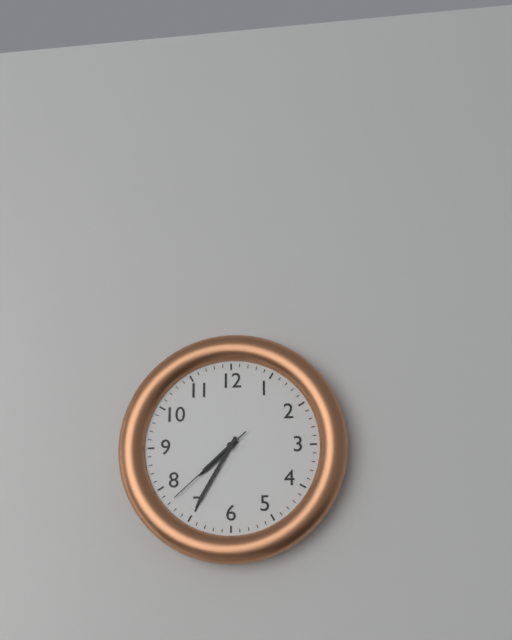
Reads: 7:35:38
